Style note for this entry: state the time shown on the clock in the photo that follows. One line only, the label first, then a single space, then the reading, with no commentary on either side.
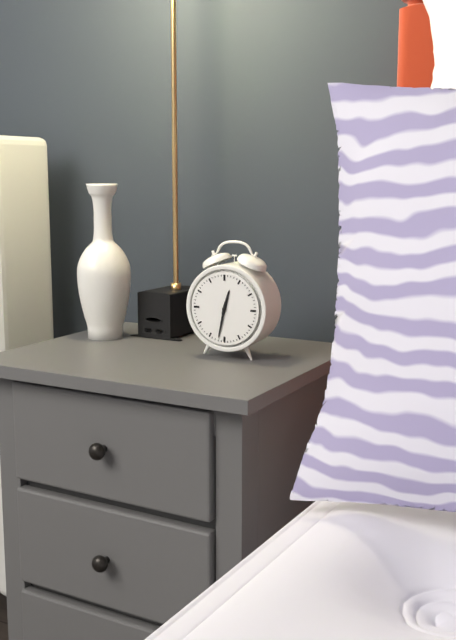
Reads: 12:32
